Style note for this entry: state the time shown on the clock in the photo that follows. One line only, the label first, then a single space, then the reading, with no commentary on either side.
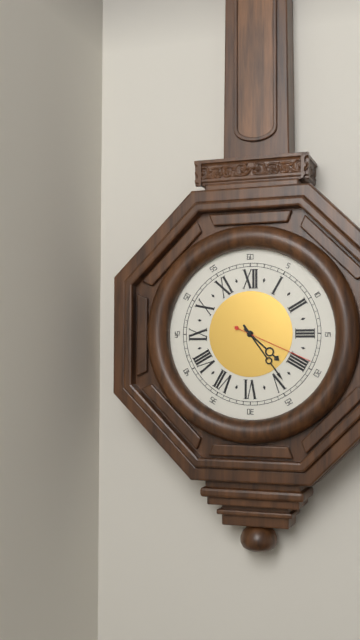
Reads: 4:24:19
